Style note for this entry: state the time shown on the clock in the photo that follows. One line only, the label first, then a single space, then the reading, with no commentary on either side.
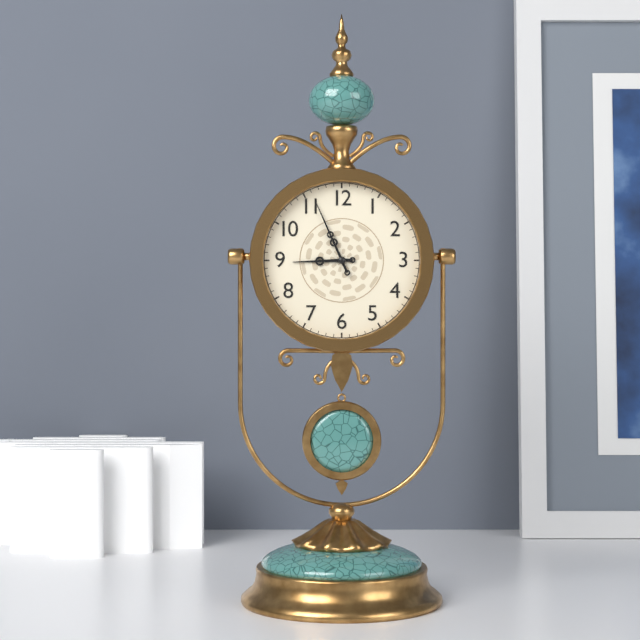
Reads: 8:56
